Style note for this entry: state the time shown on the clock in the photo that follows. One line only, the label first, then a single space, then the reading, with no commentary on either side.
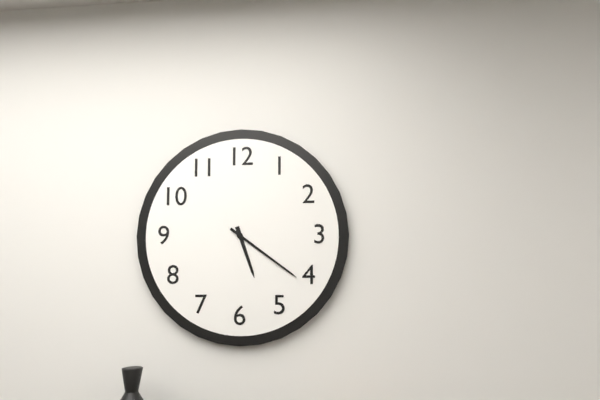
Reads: 5:21
